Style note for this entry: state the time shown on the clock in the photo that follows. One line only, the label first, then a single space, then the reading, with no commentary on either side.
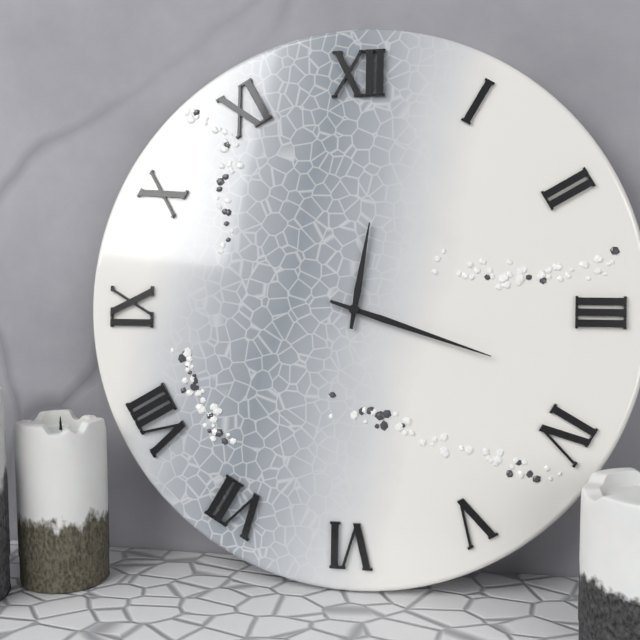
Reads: 12:18
